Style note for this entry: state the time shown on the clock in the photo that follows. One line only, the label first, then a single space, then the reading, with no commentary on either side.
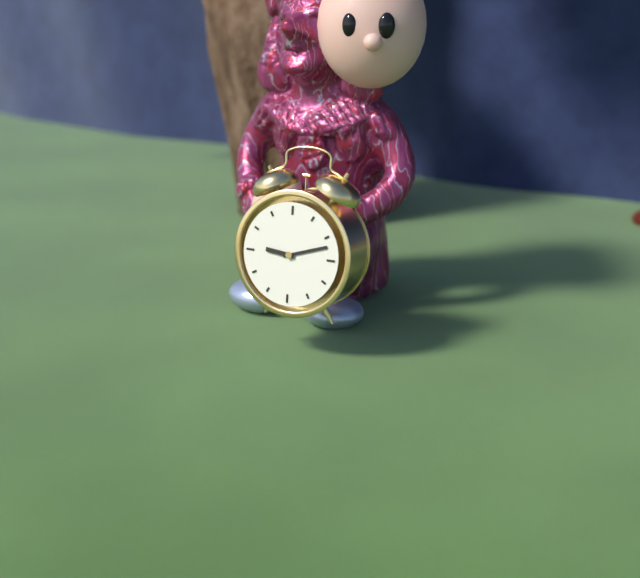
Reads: 9:12
